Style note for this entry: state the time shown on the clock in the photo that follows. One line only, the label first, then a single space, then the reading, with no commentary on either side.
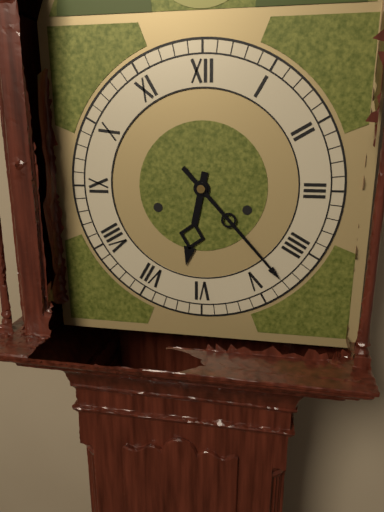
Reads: 6:23
